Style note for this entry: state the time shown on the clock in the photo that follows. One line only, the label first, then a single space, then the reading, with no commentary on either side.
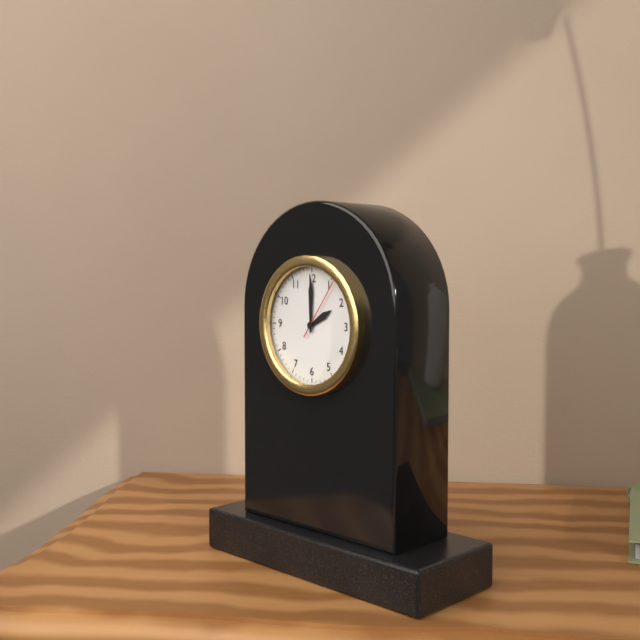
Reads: 2:00:06
